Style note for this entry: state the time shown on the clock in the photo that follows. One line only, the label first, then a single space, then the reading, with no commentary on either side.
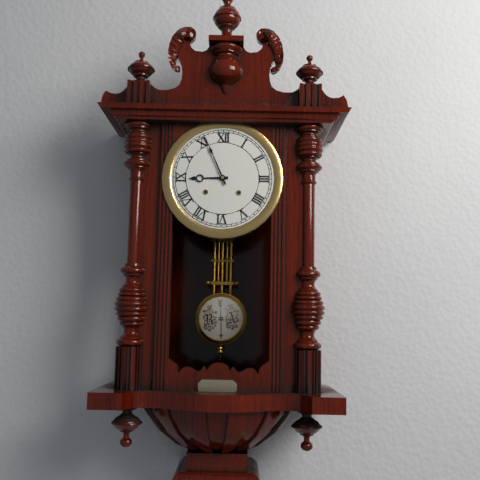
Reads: 8:56
